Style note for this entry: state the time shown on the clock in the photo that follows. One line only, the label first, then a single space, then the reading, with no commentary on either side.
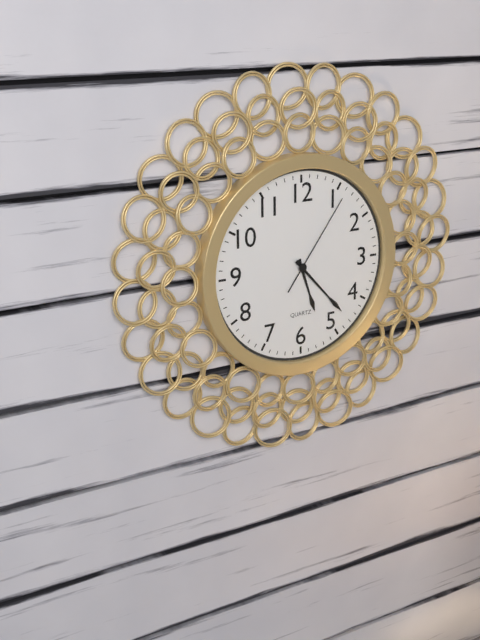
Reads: 5:23:06
